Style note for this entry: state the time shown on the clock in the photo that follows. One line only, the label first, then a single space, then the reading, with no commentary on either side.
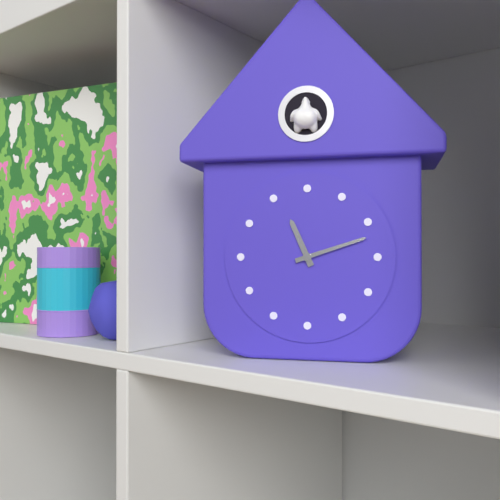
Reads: 11:12
